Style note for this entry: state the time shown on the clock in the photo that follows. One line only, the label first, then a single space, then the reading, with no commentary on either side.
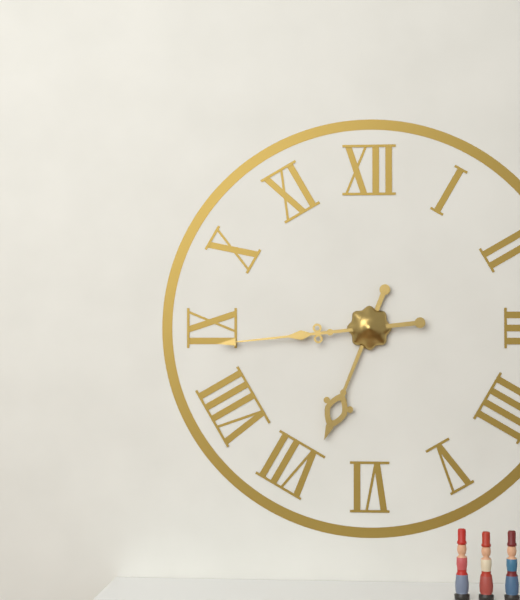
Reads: 6:44
